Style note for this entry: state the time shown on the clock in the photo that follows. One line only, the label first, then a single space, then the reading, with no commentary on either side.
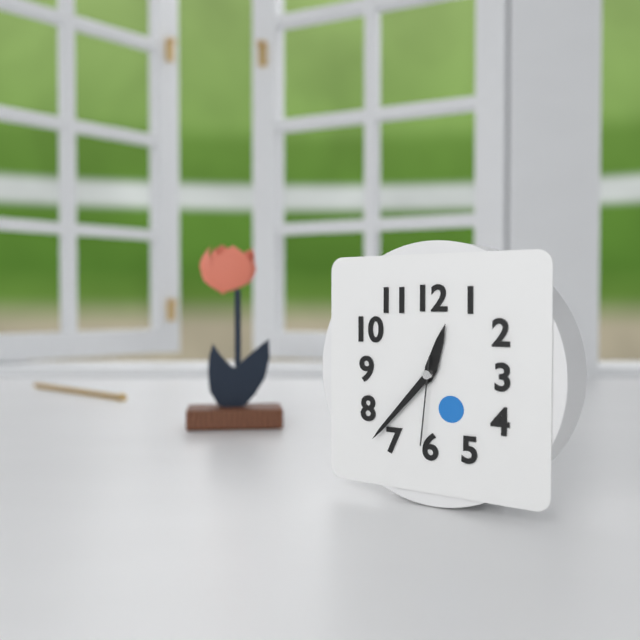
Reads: 12:37:31
